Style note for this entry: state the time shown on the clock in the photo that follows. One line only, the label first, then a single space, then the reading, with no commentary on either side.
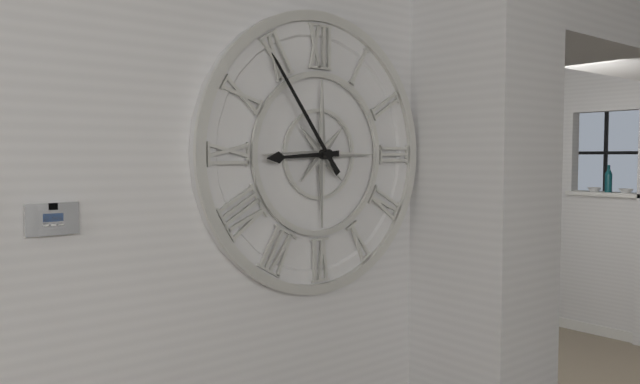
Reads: 8:54
